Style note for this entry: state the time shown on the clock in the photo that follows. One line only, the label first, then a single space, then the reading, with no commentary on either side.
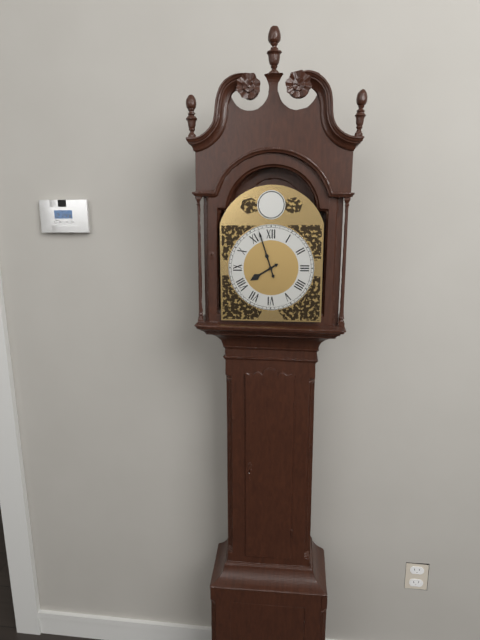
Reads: 7:57
